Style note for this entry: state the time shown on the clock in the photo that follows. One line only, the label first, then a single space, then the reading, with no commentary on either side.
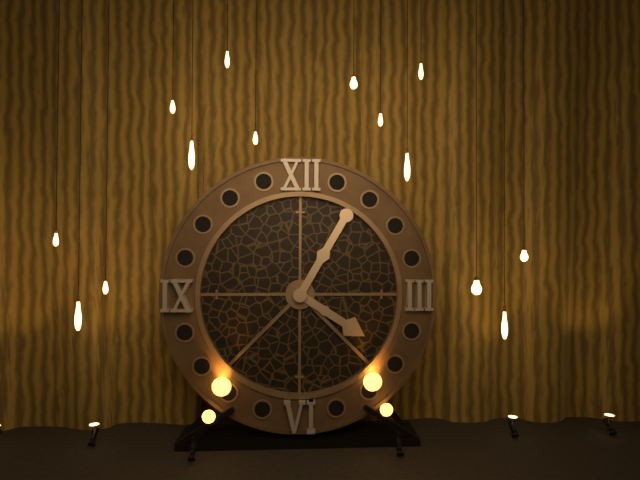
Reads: 4:05
